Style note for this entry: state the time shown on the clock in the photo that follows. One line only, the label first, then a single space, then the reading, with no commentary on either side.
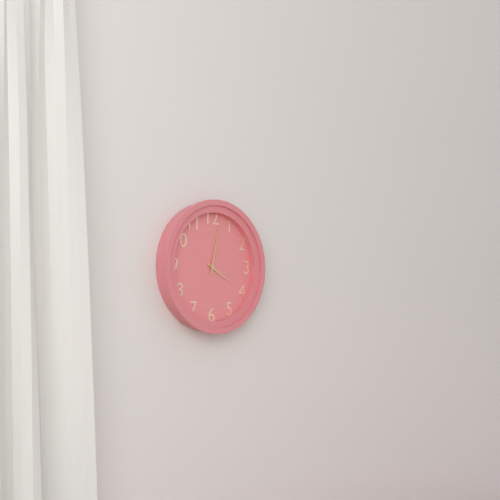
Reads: 4:02
